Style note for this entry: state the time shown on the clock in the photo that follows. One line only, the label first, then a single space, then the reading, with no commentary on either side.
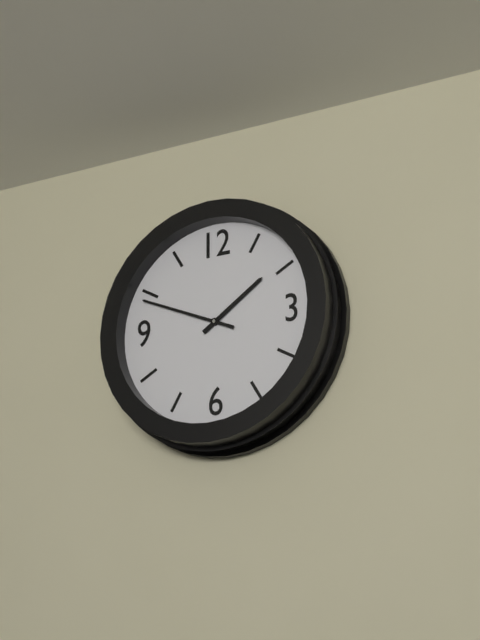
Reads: 1:49
